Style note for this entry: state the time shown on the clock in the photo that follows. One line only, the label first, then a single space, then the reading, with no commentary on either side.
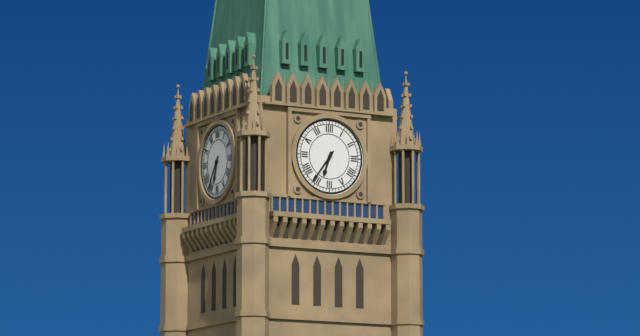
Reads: 6:36
